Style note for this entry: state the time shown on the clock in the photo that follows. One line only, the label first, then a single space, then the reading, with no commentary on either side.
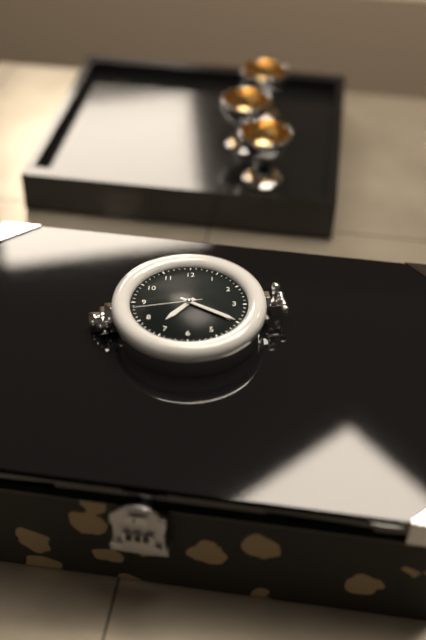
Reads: 7:20:43
